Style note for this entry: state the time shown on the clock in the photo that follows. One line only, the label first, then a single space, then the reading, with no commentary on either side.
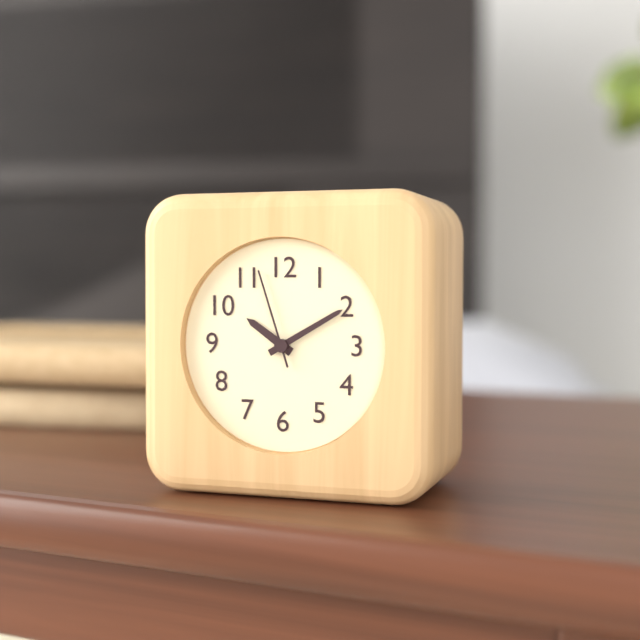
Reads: 10:10:57
